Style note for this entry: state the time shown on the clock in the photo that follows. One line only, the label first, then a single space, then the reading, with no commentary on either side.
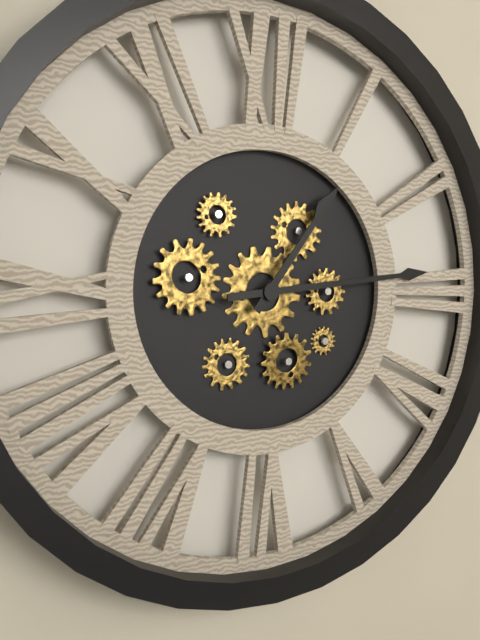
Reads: 1:14
